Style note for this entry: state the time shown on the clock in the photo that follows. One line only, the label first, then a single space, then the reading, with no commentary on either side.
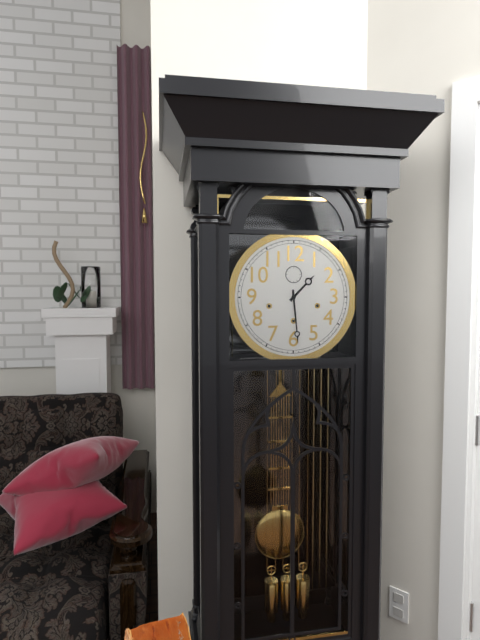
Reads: 1:29
